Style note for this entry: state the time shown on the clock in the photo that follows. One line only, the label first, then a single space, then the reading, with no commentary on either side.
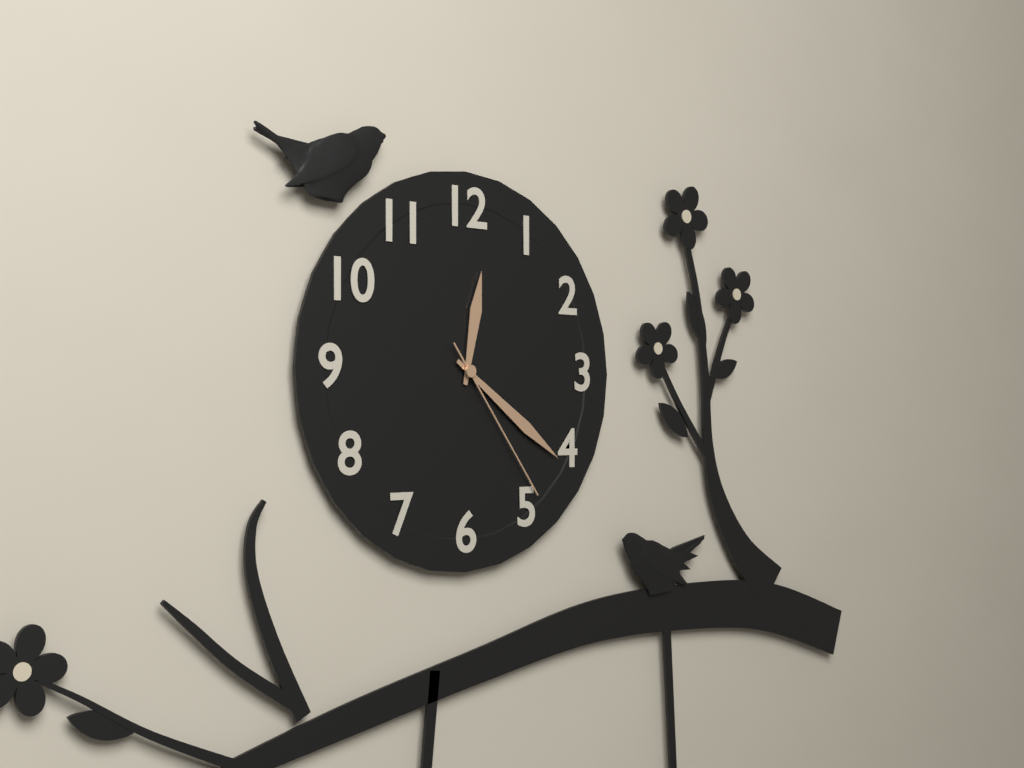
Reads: 12:21:24
